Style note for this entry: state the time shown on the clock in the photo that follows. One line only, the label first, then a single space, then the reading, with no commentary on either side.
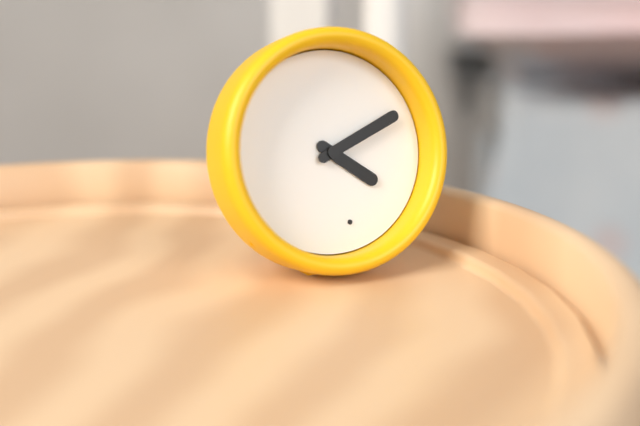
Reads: 4:11
